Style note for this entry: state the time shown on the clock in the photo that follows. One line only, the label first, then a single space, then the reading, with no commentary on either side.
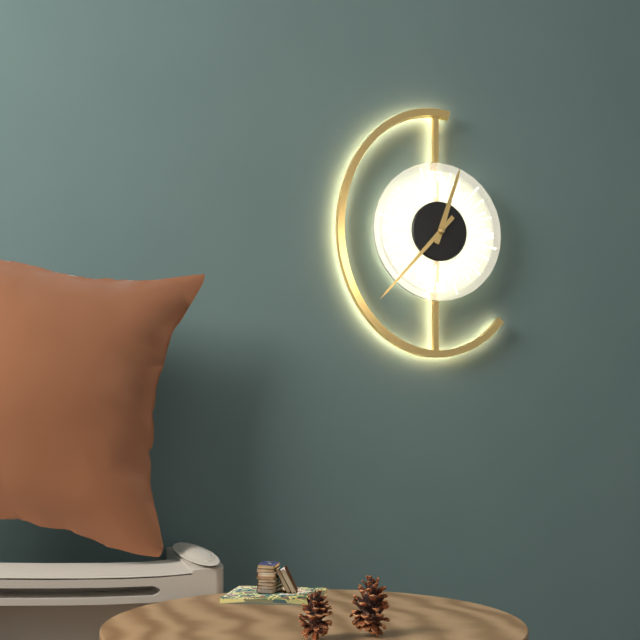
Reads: 12:37
